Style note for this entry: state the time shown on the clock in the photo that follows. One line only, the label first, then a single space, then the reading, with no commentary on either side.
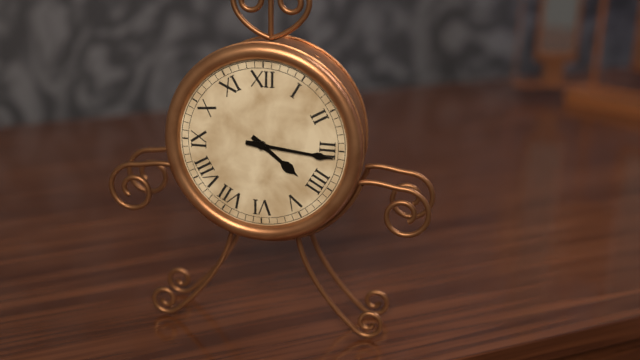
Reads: 4:16
